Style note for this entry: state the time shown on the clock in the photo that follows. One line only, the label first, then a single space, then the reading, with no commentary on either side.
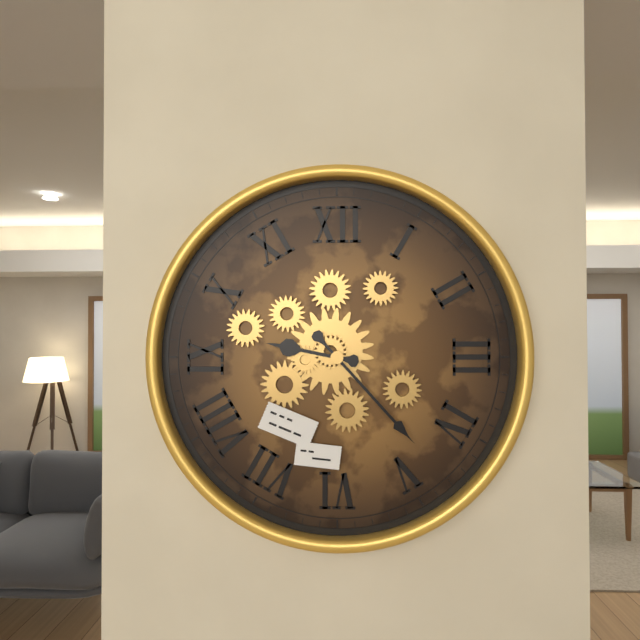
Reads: 9:23
